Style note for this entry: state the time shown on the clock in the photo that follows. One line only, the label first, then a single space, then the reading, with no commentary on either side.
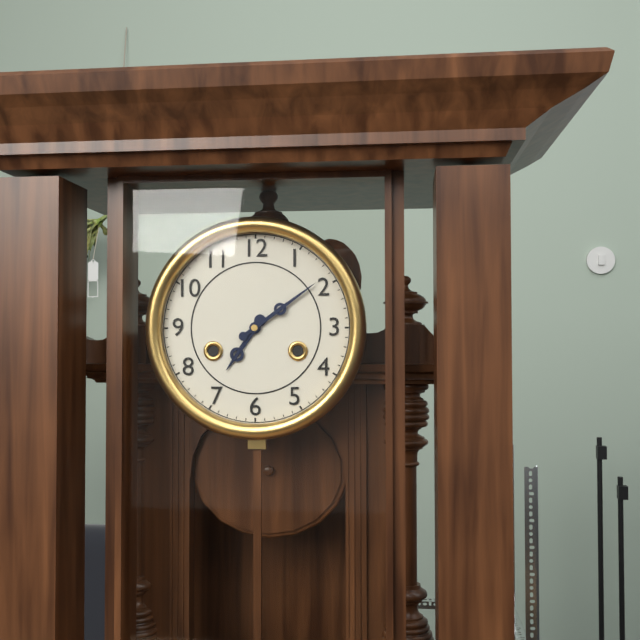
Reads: 7:09
